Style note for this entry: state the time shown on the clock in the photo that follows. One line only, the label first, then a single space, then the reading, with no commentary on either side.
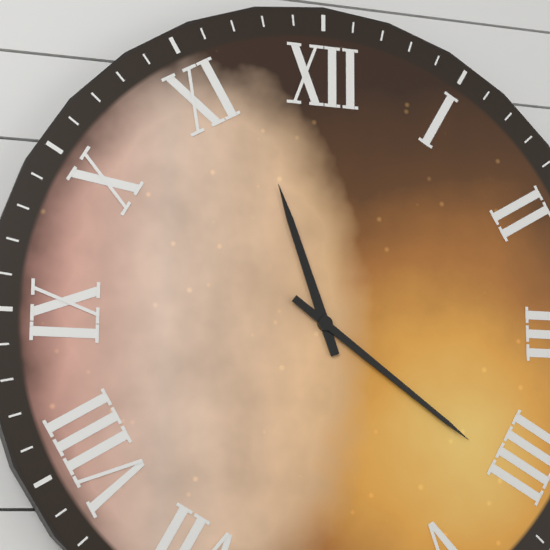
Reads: 11:21
